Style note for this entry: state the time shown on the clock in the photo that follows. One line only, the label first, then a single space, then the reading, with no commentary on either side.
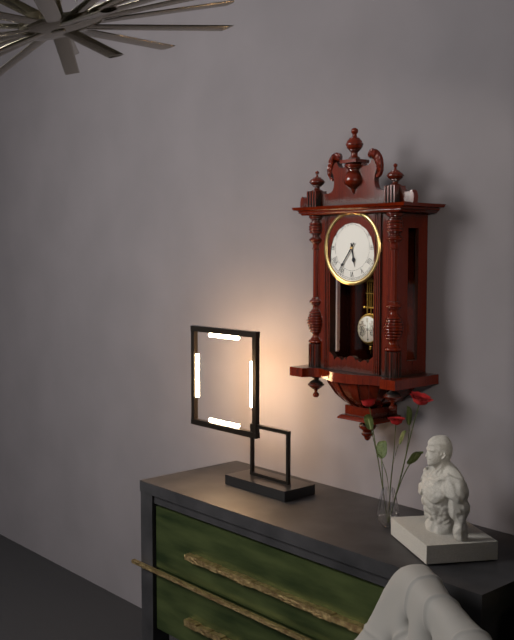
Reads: 5:36
